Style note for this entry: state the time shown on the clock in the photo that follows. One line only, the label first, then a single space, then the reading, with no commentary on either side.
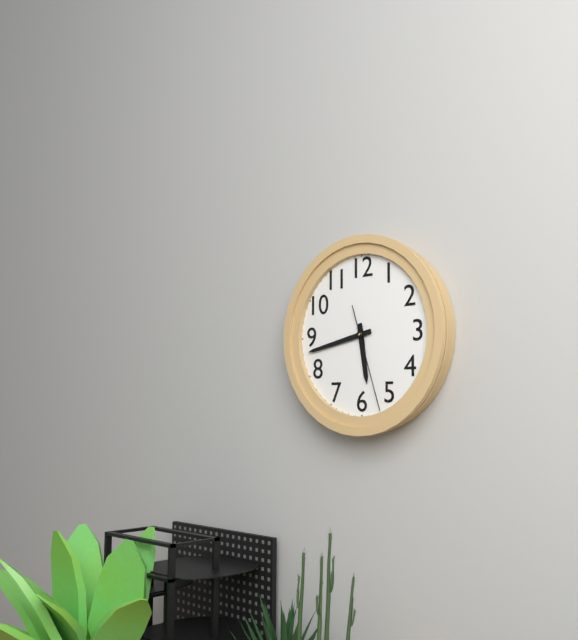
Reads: 5:43:27
